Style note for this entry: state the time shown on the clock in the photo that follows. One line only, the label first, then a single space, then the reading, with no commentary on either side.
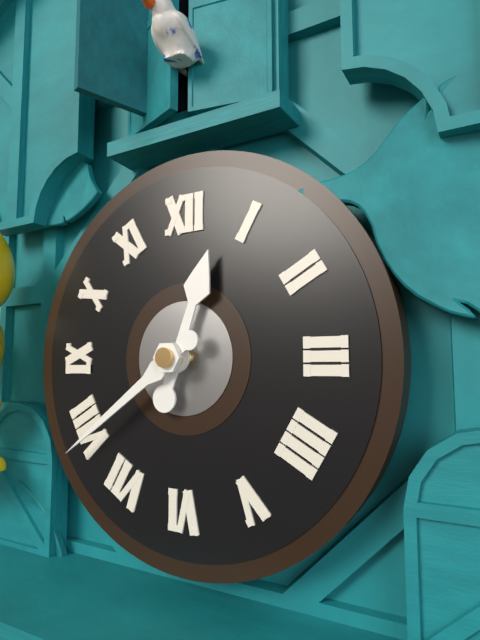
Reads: 12:39
